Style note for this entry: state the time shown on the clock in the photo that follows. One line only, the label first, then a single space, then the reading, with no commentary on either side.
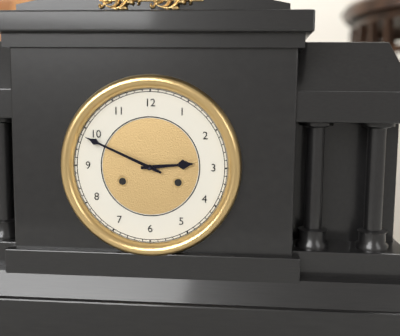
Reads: 2:49
